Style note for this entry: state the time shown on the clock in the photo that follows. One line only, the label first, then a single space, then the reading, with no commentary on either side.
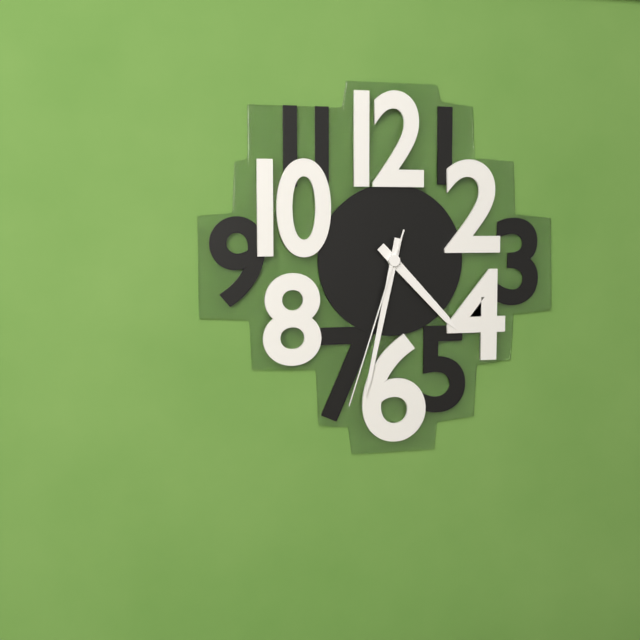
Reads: 4:32:33
